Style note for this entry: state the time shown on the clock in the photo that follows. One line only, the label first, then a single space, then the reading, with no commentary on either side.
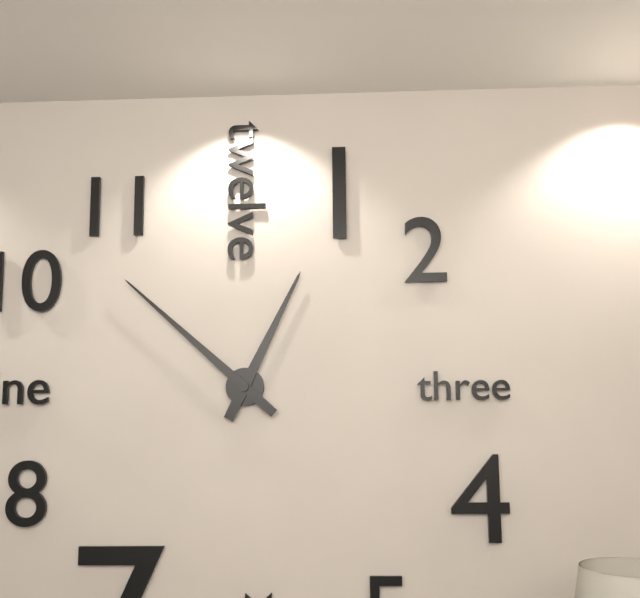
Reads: 12:52
